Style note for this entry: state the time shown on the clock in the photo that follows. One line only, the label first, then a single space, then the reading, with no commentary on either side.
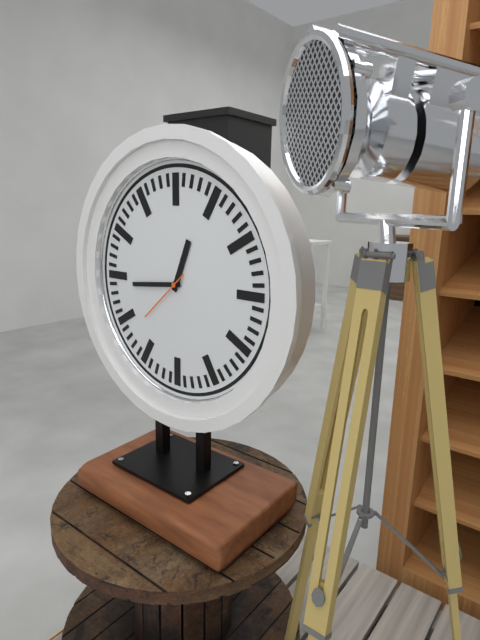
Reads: 12:44:38
